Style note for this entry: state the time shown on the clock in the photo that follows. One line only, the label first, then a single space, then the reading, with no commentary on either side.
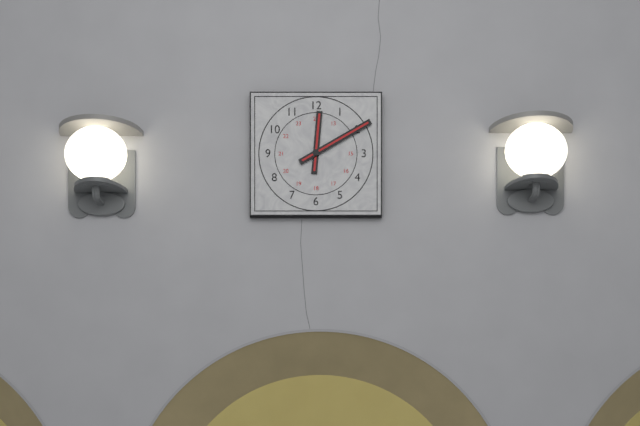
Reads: 12:10
